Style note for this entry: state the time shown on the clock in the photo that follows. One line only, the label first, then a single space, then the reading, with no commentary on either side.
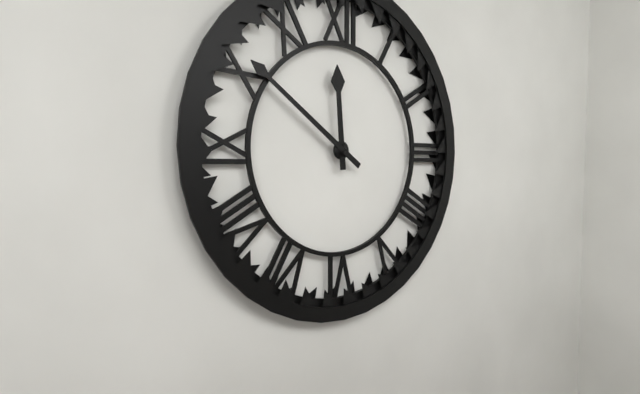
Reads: 11:51
